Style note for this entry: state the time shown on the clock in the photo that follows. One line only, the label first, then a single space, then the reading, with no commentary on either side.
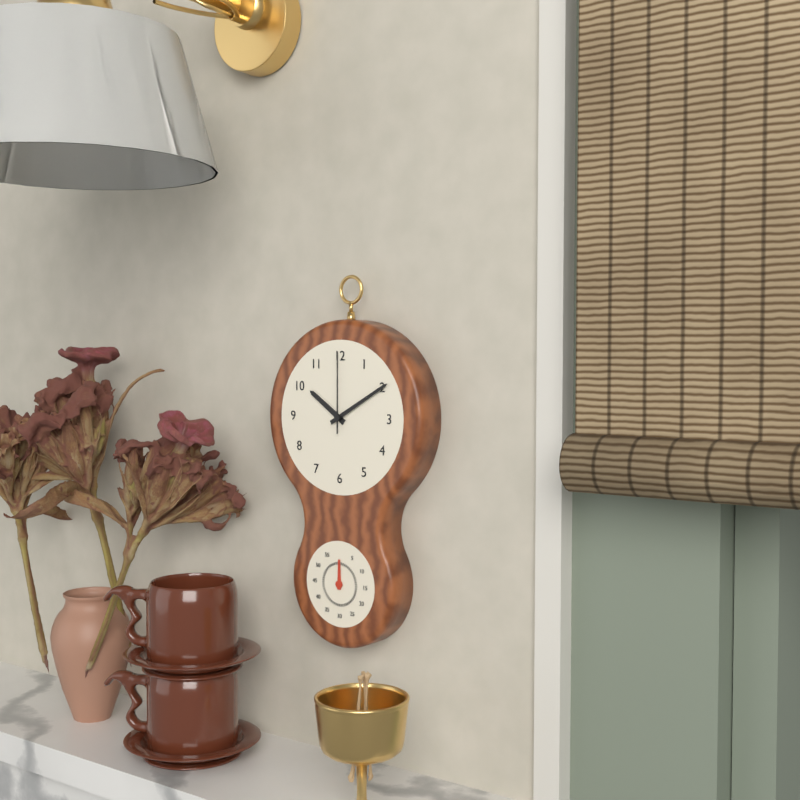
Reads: 10:10:00
